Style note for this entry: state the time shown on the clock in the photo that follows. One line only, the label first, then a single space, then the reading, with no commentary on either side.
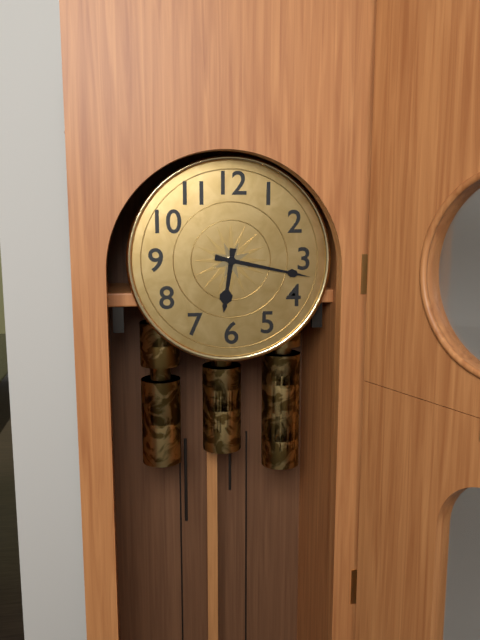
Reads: 6:17
